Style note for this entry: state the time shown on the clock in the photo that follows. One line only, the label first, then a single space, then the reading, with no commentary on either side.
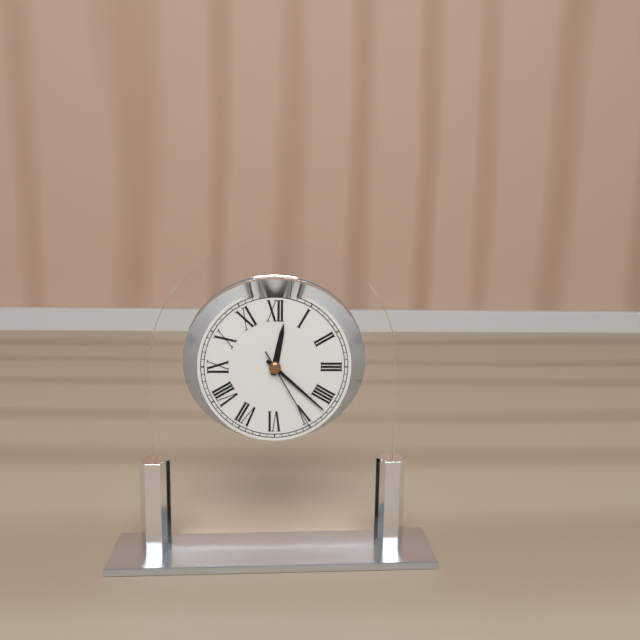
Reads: 12:22:25
